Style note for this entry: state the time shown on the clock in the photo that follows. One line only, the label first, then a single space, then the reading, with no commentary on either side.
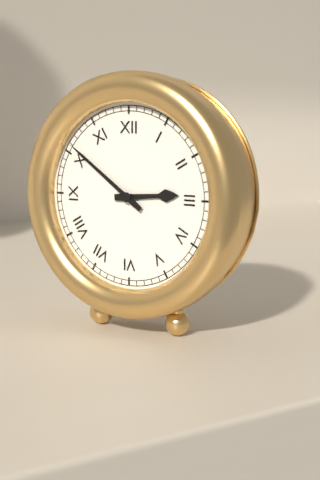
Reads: 2:51
